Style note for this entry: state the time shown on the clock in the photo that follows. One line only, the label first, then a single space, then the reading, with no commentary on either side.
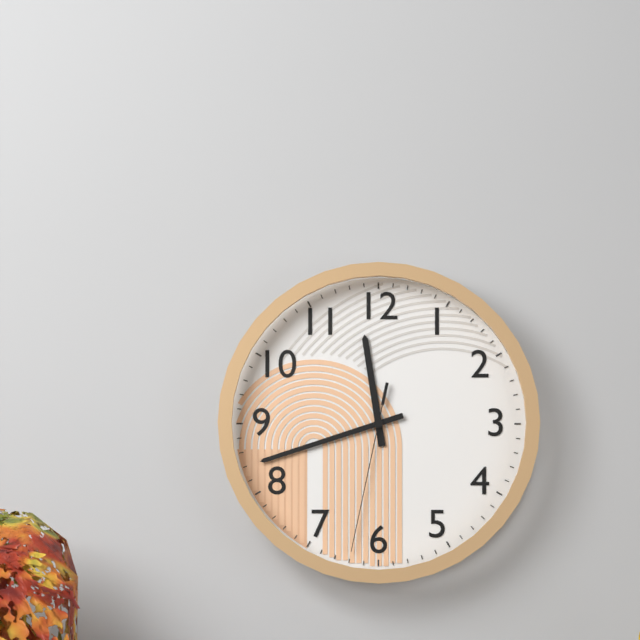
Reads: 11:42:32
